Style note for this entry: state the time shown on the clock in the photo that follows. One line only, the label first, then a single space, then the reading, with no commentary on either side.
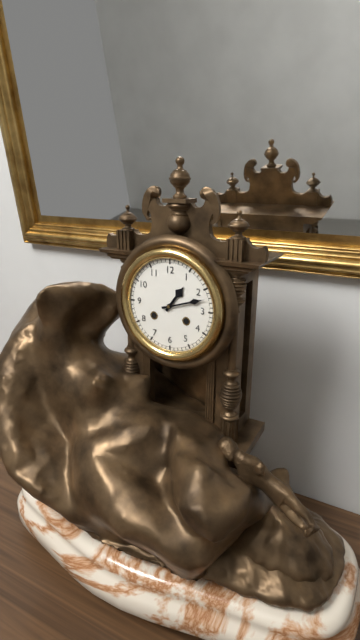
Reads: 1:12
